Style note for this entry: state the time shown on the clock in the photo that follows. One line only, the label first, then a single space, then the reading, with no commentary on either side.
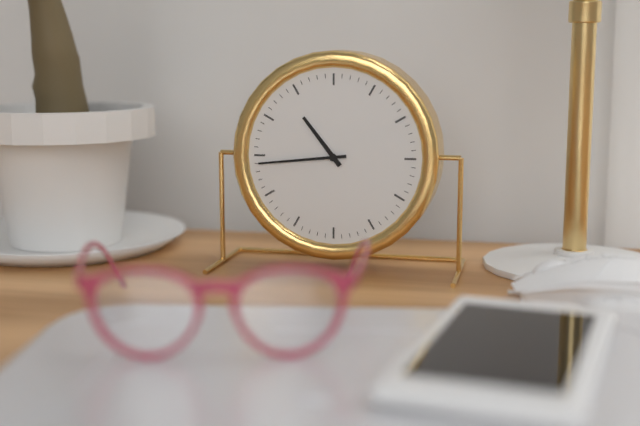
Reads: 10:44
